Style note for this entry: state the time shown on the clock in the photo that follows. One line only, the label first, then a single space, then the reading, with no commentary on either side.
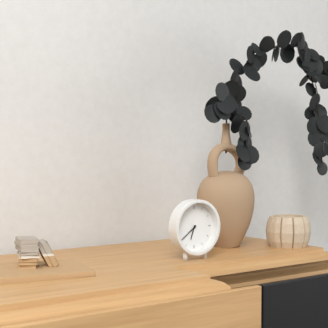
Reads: 6:39
